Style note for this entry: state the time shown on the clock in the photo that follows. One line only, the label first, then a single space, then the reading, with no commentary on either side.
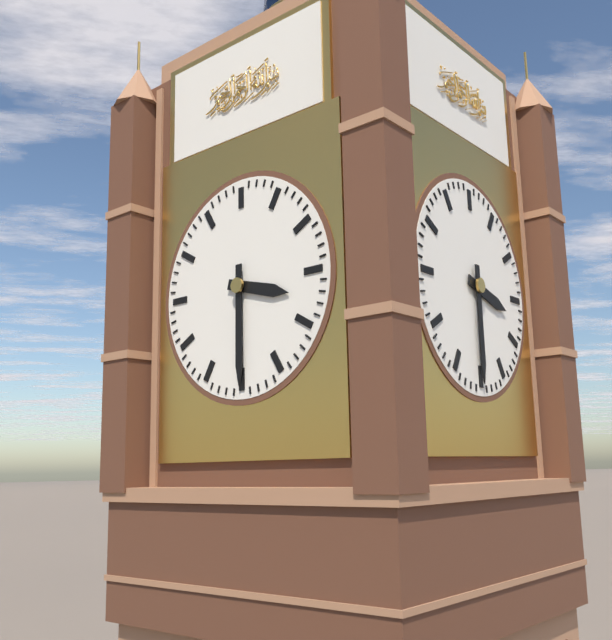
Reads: 3:30
